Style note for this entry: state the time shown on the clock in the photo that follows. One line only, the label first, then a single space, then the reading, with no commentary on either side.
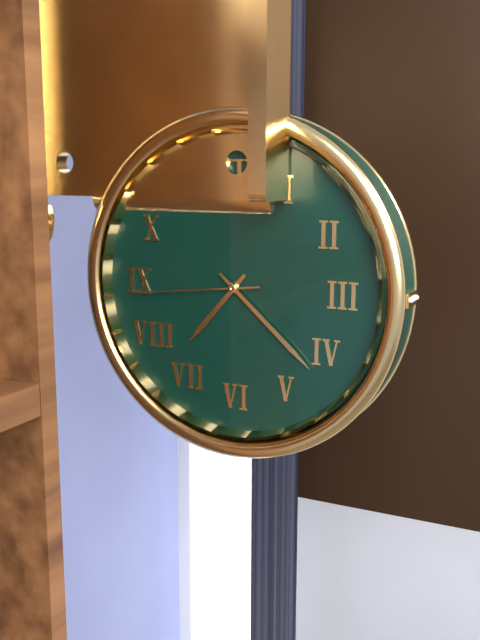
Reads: 7:22:44
